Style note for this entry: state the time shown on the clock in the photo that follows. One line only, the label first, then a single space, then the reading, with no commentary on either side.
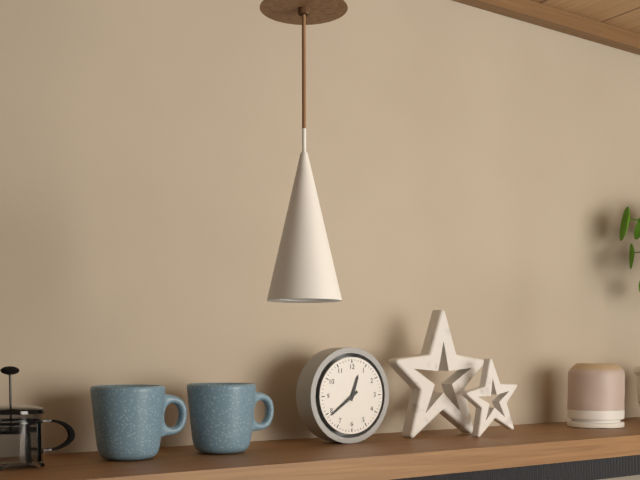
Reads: 12:39
